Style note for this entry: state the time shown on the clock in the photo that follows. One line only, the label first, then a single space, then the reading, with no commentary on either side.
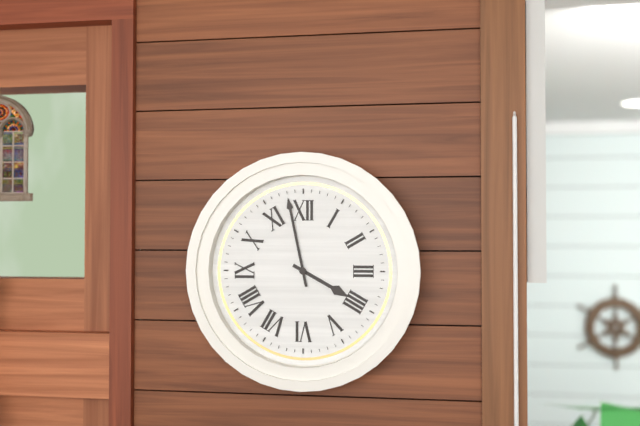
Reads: 3:58
